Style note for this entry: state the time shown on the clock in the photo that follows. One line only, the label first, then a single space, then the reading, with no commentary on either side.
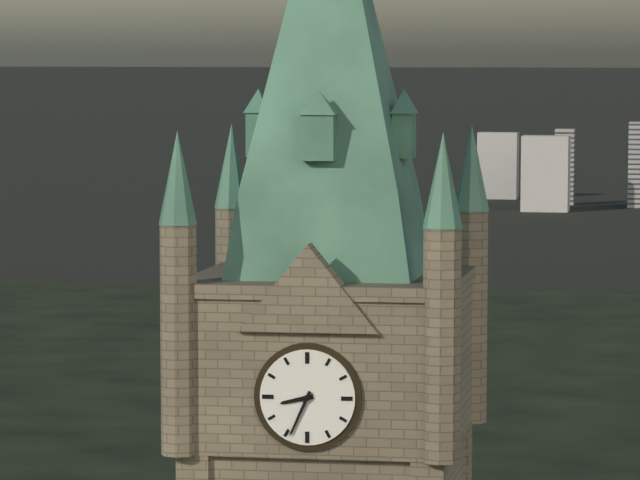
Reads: 8:34
